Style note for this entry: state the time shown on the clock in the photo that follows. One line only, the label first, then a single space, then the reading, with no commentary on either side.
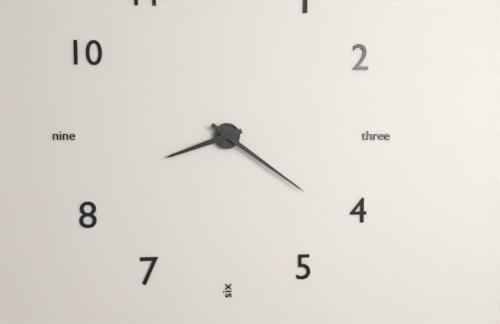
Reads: 8:21
